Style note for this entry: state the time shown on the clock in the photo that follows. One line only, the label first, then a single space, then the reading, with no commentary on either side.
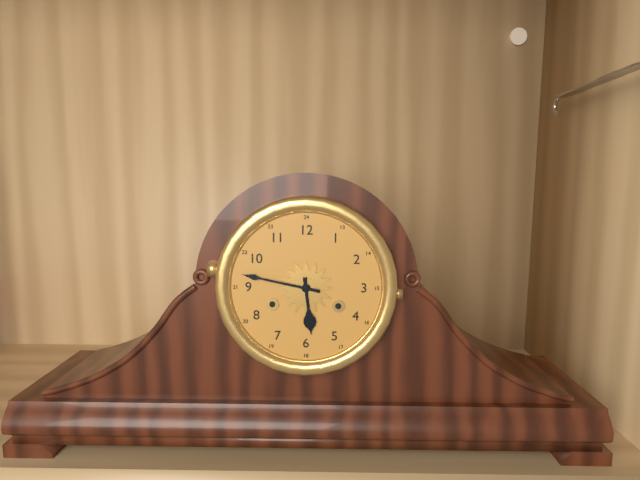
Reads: 5:47
